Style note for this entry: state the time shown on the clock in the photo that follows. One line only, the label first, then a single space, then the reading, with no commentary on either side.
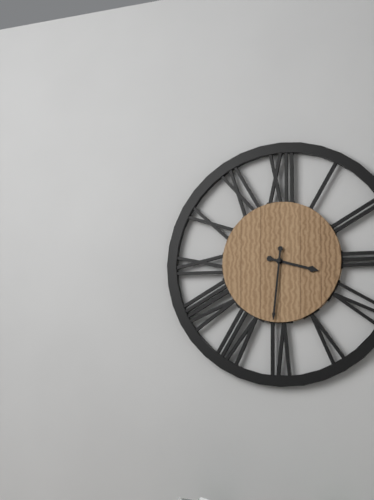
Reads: 3:31
